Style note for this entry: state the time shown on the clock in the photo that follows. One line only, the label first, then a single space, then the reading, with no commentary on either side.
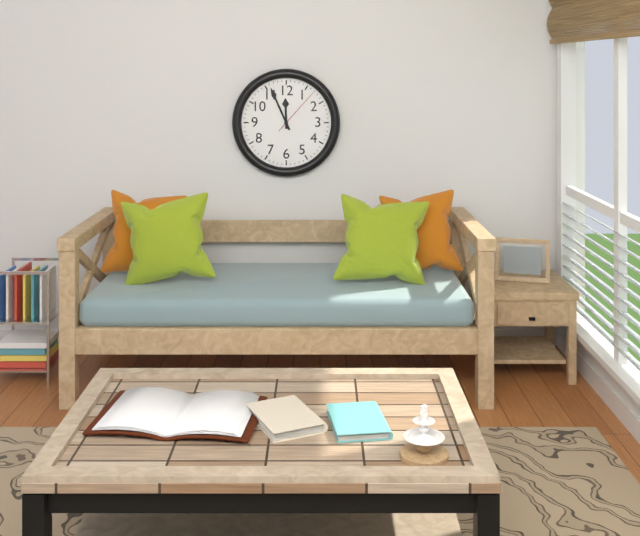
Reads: 11:56:07
